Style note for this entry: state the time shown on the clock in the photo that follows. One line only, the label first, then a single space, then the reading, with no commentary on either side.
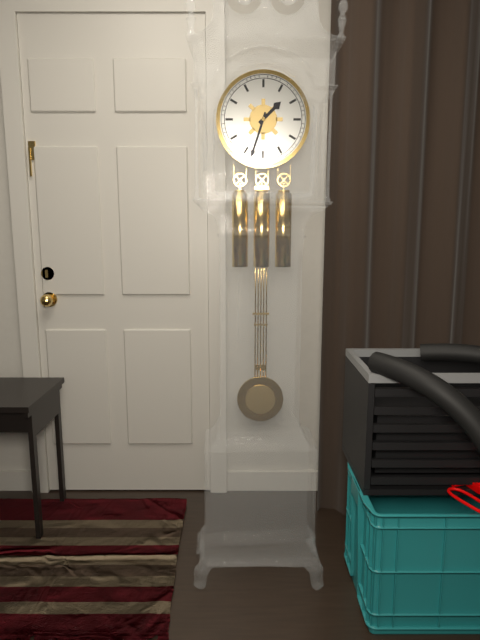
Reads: 1:33
